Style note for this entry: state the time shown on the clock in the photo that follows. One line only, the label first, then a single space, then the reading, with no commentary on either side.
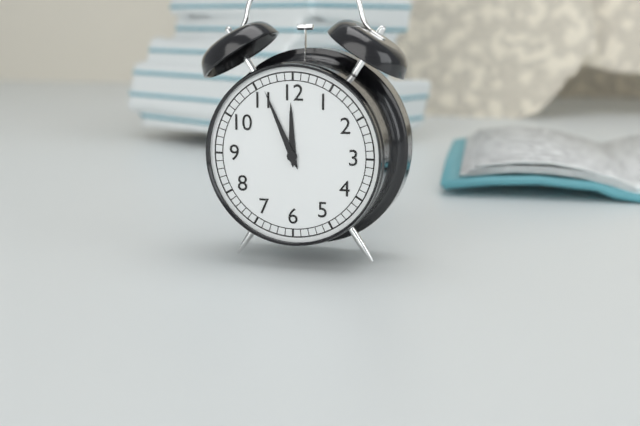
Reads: 11:56
